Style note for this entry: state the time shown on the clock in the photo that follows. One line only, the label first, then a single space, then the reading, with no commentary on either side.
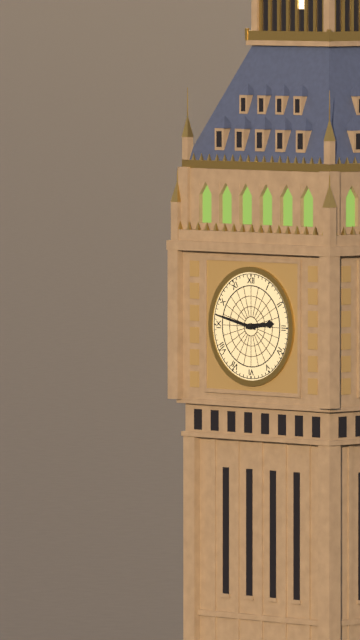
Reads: 2:47
